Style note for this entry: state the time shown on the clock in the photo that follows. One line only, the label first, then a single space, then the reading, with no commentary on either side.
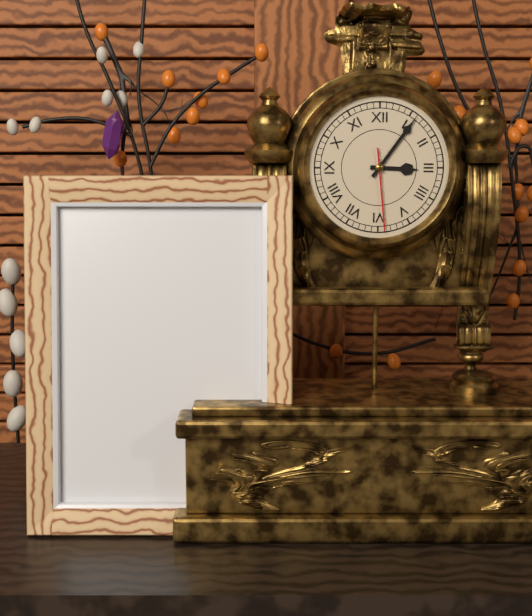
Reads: 3:06:29
